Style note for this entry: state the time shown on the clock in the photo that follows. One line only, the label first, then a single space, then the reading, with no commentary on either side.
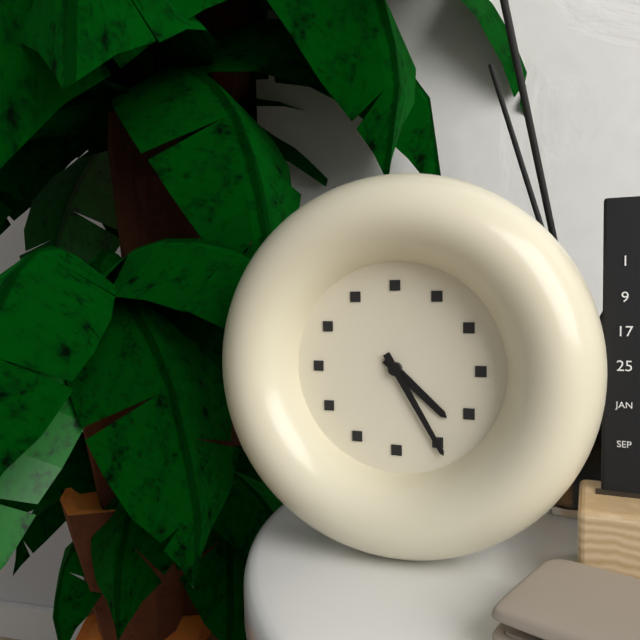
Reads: 4:25
